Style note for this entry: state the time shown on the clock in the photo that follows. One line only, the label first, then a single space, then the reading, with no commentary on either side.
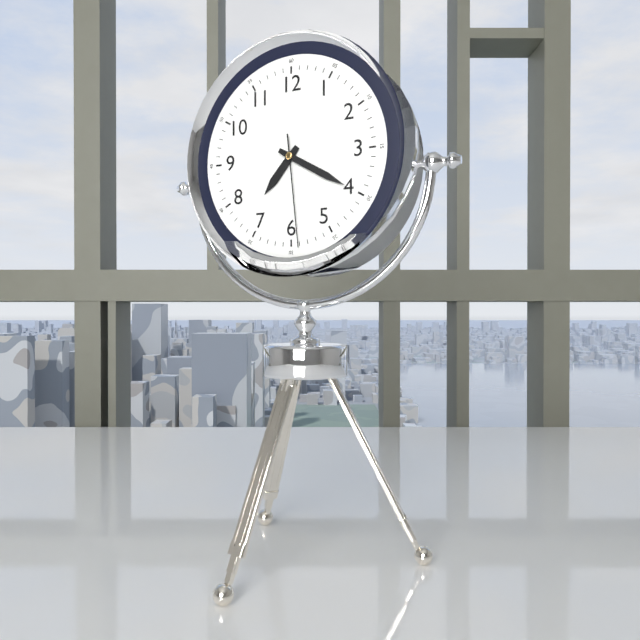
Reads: 7:20:29
